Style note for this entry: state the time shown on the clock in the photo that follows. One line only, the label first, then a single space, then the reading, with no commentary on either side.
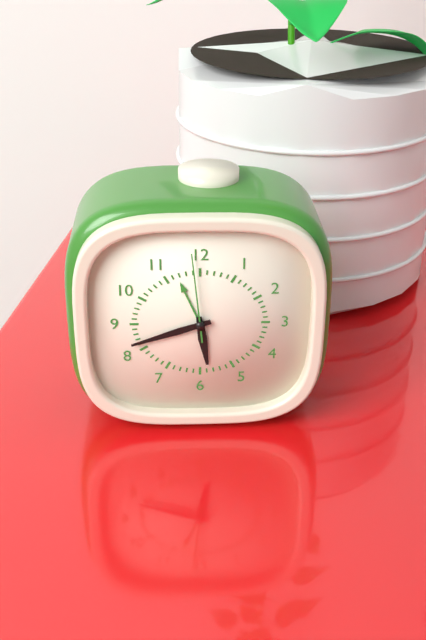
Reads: 5:42:59
